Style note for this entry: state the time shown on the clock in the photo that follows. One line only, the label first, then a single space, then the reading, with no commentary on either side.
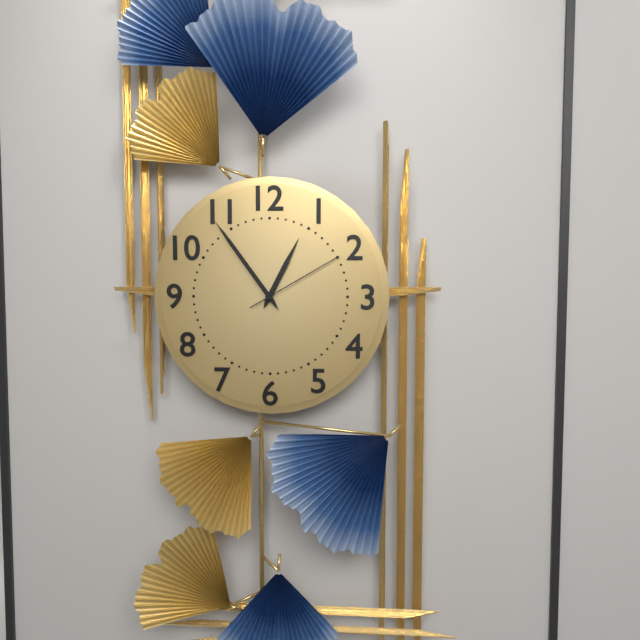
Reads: 12:54:10
